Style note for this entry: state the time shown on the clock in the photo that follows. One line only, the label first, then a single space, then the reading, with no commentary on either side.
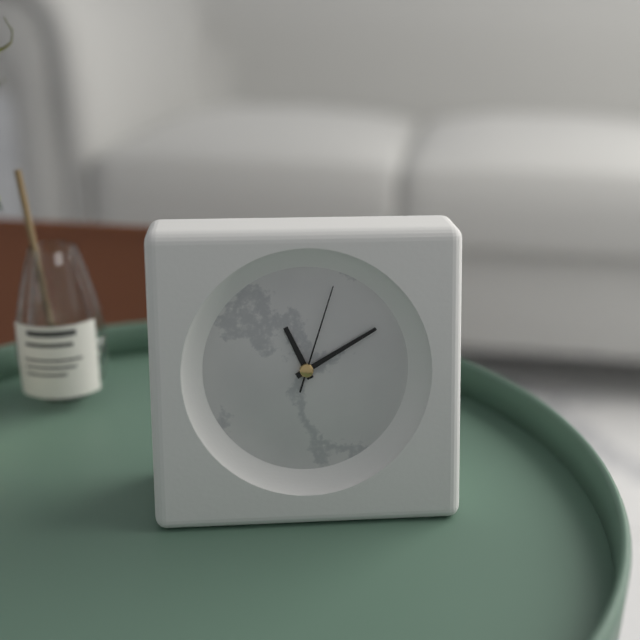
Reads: 11:10:03
